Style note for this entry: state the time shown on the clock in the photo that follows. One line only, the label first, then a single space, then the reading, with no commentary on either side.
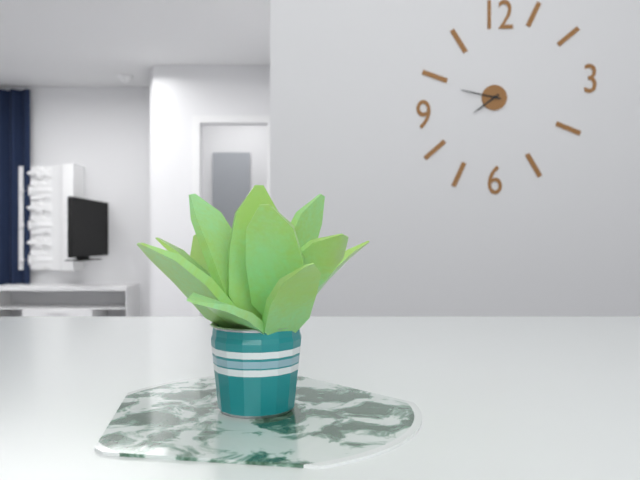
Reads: 7:47
